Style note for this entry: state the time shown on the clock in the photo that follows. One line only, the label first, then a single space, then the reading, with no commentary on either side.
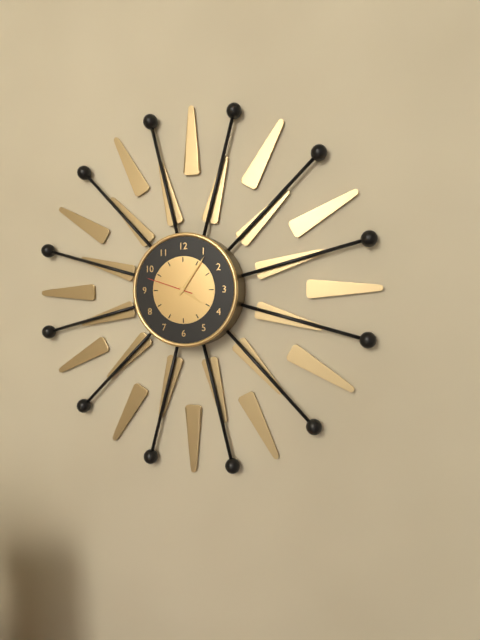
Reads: 4:06
